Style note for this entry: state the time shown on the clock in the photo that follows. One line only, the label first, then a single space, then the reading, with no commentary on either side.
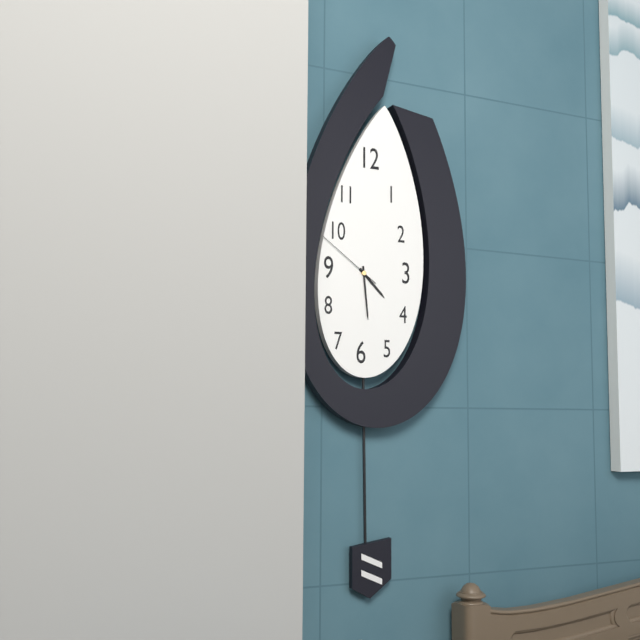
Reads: 4:29:51
